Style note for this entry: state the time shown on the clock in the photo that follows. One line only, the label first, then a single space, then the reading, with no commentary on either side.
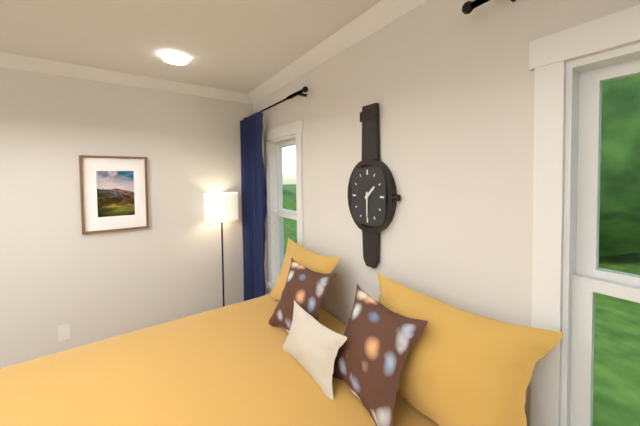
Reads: 1:30
